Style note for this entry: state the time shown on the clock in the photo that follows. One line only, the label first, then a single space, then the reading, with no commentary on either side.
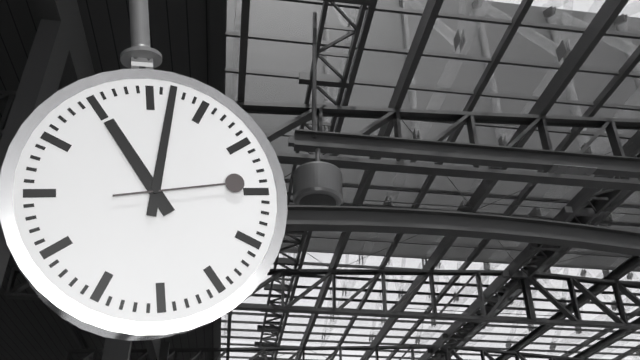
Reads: 11:02:14
